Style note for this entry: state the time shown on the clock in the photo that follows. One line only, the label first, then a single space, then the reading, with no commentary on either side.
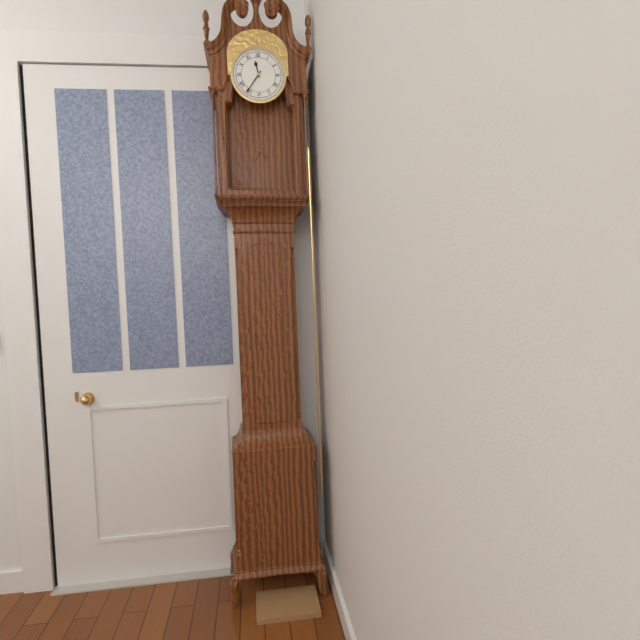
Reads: 11:36
